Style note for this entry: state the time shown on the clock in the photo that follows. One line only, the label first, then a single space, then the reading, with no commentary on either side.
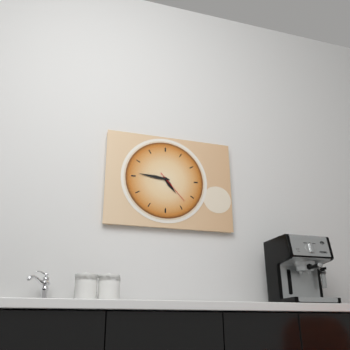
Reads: 4:46
